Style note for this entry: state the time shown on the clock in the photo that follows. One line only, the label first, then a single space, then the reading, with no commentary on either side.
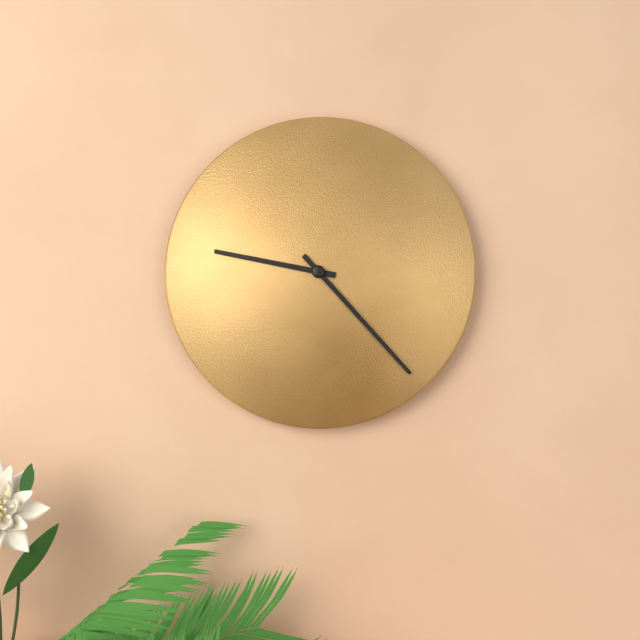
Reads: 9:23
